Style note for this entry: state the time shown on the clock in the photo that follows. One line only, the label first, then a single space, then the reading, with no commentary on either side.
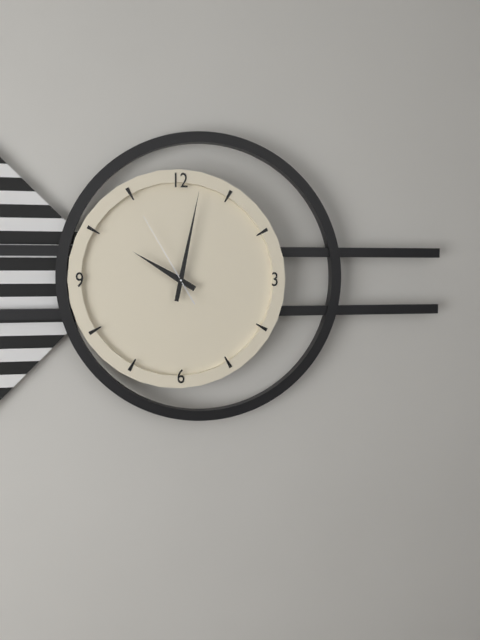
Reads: 10:02:55
